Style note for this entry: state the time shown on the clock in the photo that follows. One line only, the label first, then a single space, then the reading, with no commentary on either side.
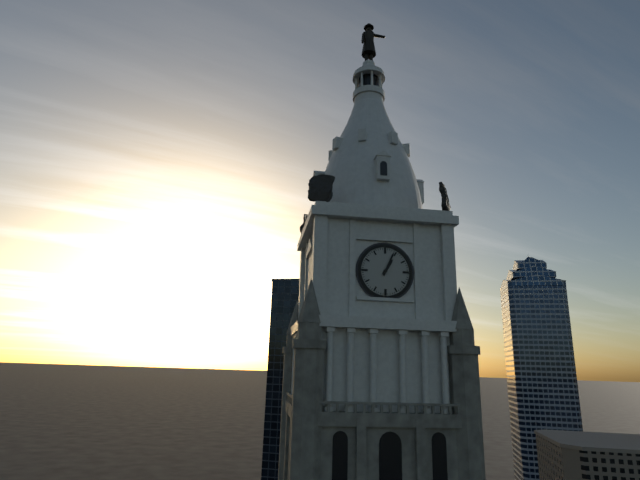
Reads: 1:04
